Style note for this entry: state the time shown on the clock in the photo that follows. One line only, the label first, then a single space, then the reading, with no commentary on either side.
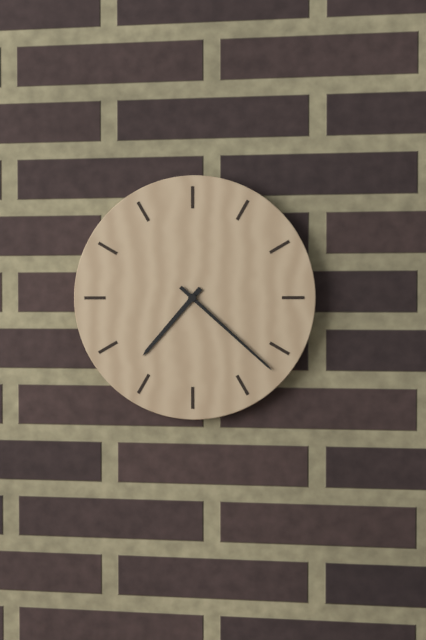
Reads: 7:22
